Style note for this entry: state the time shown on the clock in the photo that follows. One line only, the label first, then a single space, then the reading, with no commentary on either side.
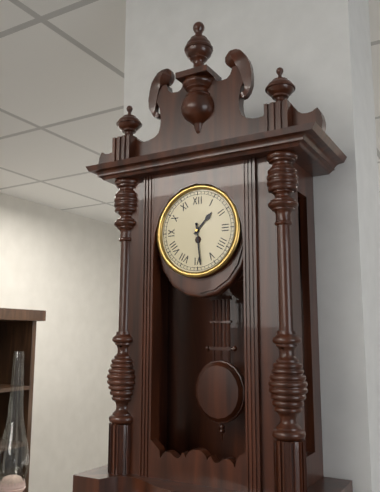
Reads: 1:29
